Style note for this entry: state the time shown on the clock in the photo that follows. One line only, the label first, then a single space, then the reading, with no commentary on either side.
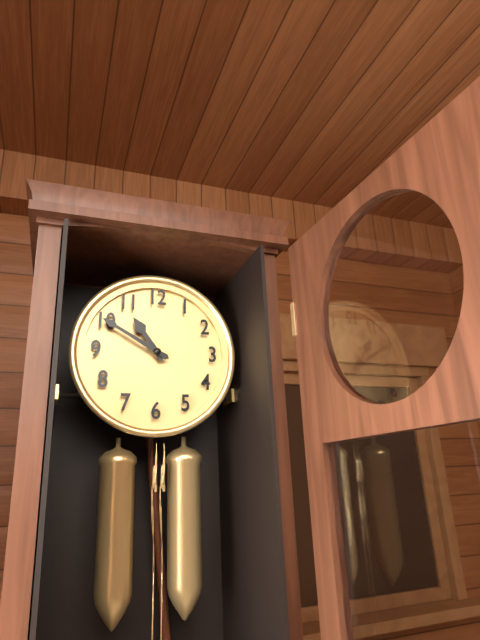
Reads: 10:50
